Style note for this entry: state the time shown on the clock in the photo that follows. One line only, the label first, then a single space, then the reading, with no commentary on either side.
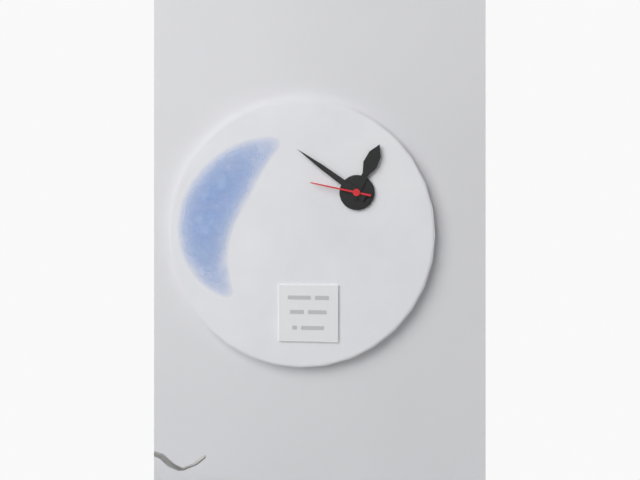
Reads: 12:51:47
